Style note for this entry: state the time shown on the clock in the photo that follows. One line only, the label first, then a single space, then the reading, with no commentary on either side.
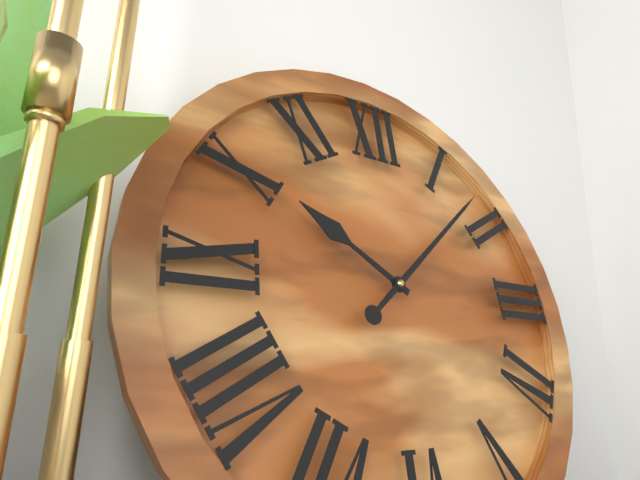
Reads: 10:08
